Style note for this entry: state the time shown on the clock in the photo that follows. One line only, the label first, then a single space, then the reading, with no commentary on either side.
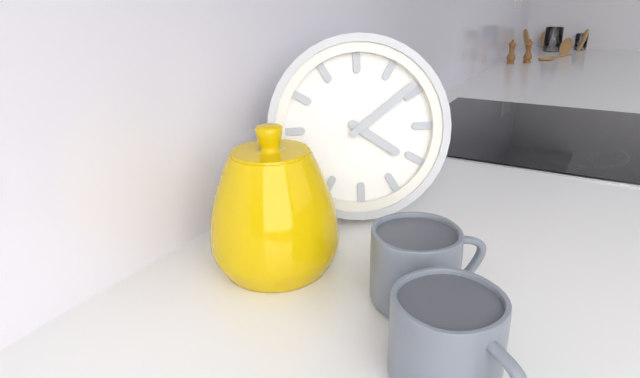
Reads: 4:09
